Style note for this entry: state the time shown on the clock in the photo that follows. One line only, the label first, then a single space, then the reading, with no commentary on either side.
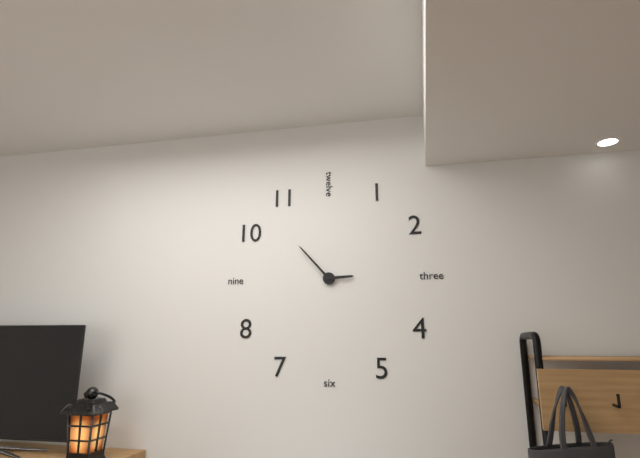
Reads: 2:53
